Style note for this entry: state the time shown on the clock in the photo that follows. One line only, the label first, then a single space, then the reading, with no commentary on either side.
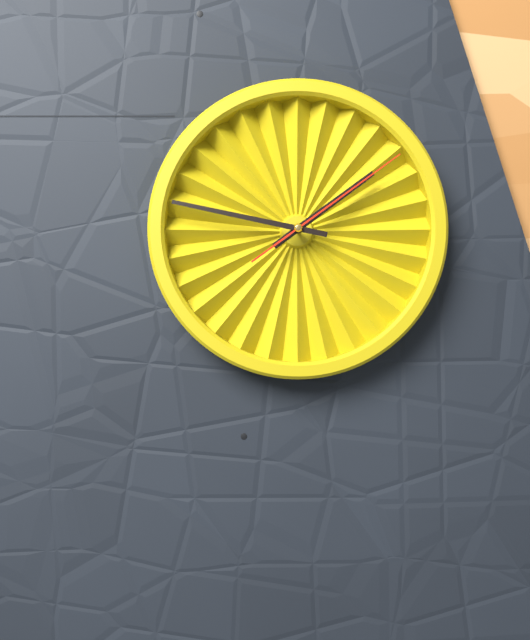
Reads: 1:47:09
